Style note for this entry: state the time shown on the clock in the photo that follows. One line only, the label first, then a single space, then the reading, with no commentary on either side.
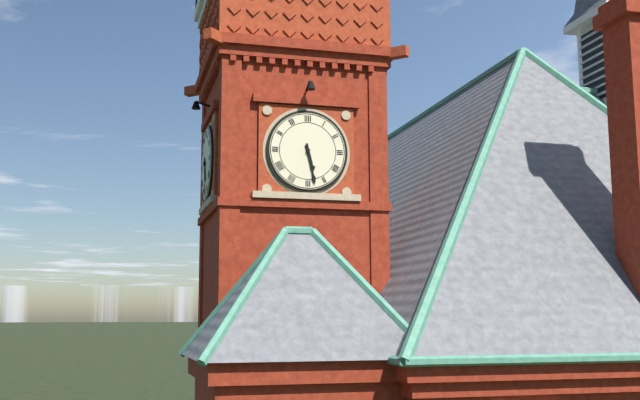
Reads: 5:28
